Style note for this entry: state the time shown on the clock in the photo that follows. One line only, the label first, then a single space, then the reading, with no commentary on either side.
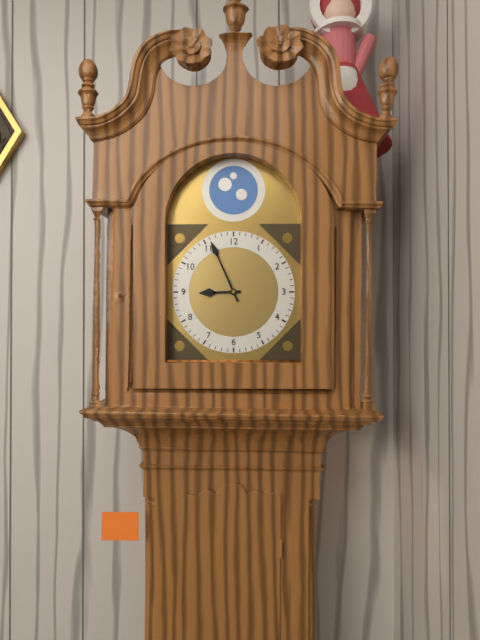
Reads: 8:56
